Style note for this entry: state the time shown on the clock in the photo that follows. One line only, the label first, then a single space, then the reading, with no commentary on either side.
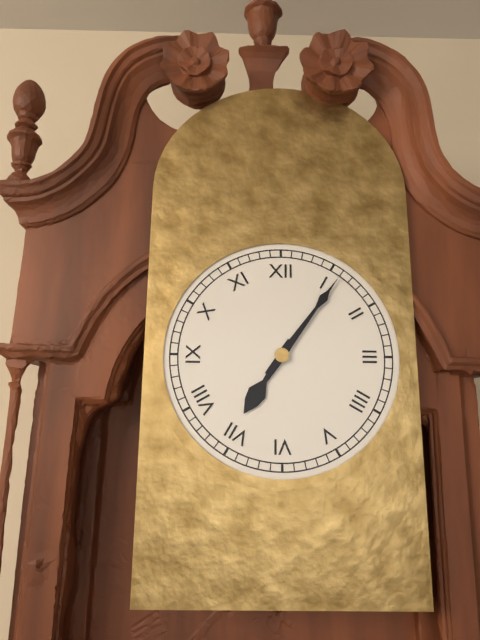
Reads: 7:06
